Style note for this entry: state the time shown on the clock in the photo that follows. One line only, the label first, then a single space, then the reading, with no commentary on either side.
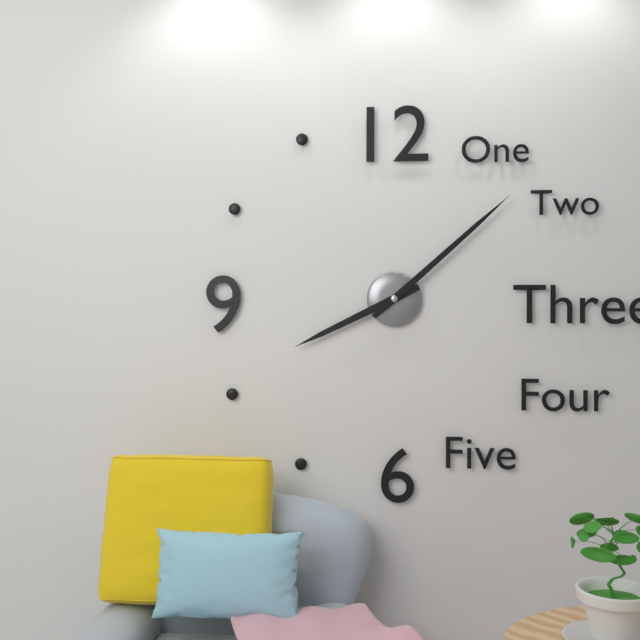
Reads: 8:08
